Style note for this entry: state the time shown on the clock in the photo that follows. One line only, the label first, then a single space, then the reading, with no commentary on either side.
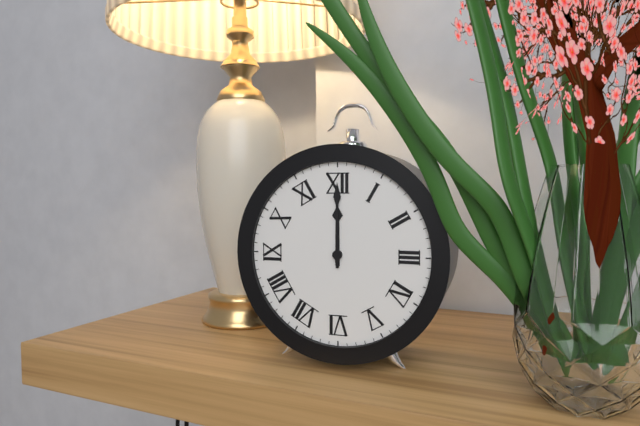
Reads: 12:00
